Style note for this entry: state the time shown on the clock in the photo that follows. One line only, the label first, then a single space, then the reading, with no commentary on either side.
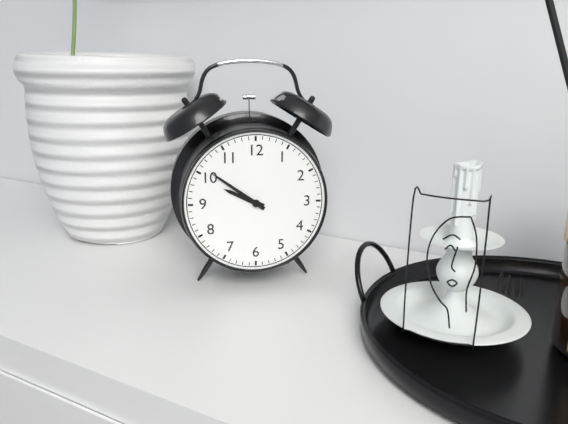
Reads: 9:51
